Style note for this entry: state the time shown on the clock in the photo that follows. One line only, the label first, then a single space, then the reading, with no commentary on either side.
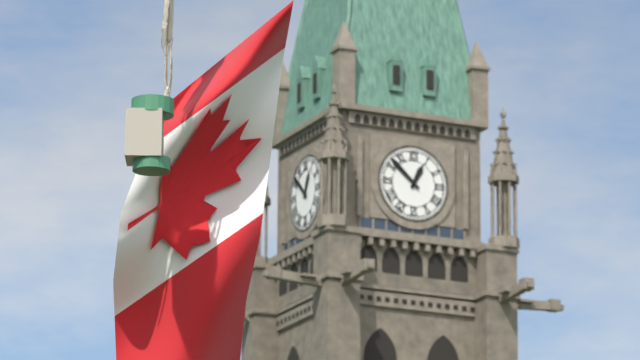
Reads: 12:52
